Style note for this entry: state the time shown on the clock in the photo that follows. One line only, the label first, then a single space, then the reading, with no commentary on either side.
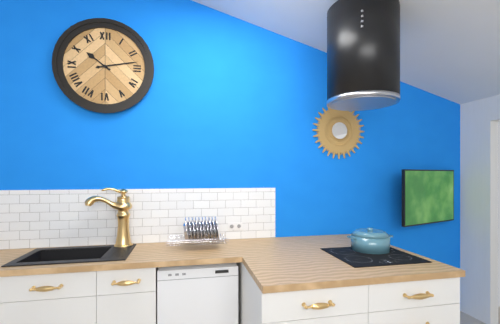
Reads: 10:13
